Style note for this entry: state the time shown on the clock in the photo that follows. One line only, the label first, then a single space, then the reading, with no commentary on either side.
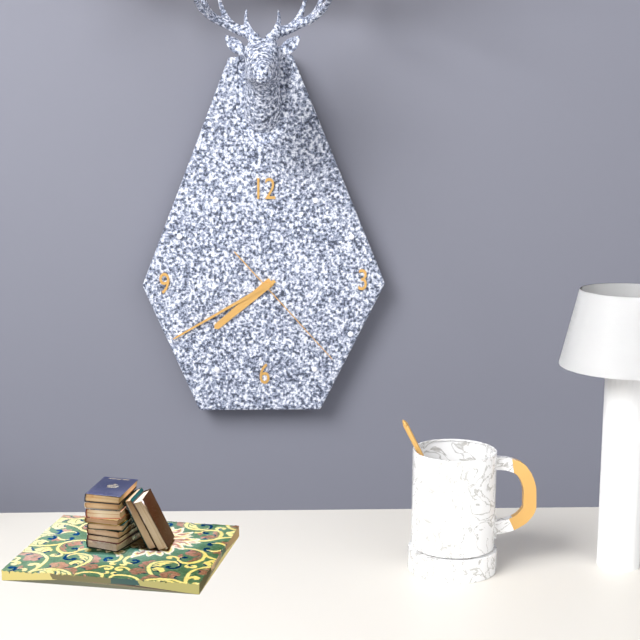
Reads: 7:40:23
